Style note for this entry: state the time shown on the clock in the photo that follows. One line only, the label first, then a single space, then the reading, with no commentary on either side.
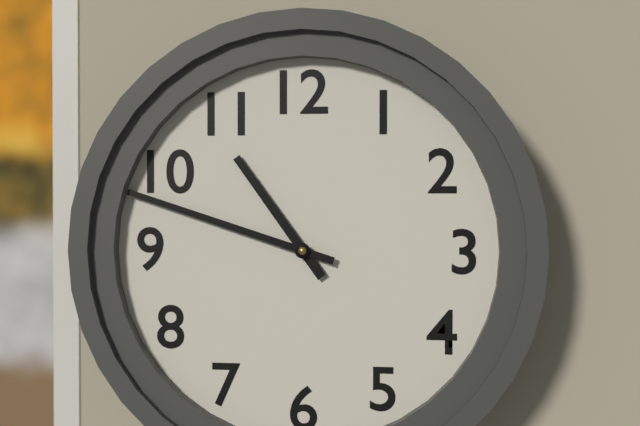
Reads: 10:48
